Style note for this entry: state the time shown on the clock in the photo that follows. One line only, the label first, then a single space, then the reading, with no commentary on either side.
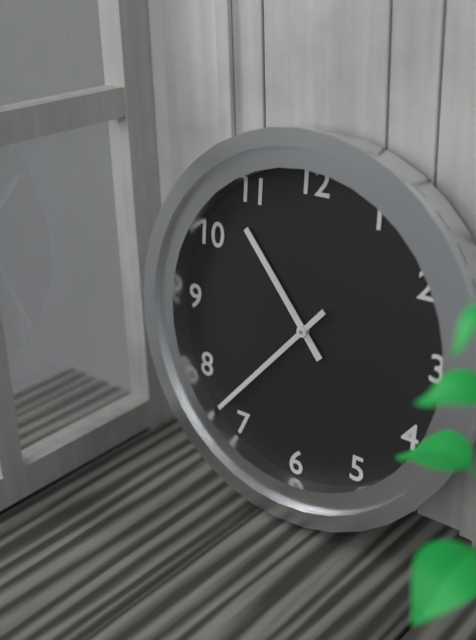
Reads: 10:37
